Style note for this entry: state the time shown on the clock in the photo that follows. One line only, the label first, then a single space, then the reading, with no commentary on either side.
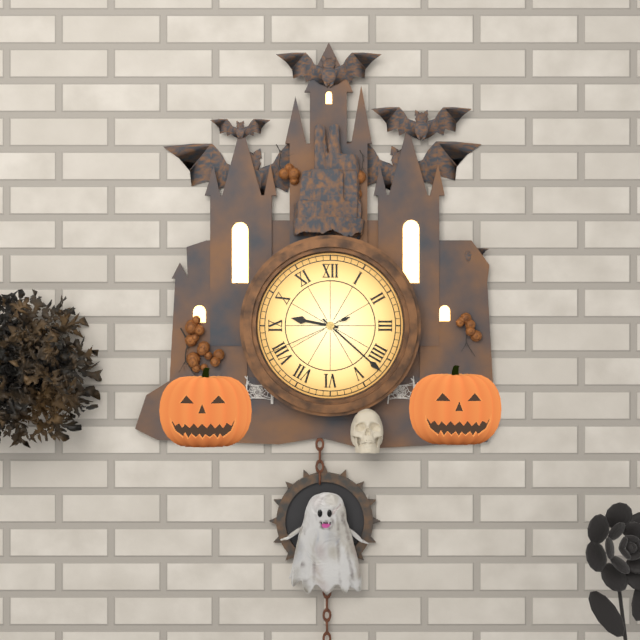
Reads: 9:22:41
